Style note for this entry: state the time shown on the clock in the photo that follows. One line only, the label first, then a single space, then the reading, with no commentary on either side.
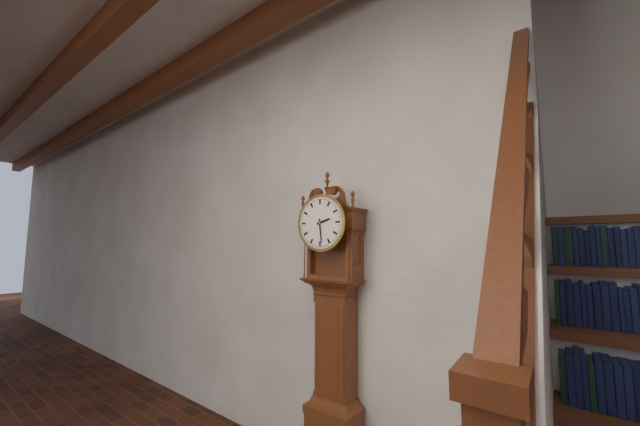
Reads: 2:29
